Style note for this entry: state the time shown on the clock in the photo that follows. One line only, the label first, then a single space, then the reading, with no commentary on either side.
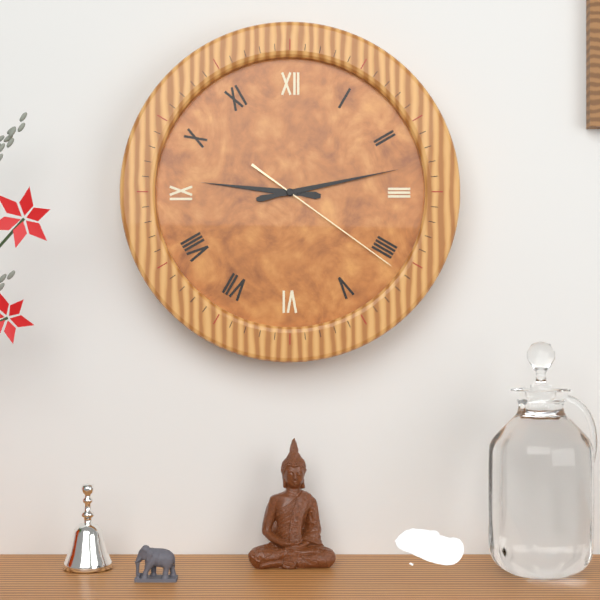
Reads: 9:13:21
